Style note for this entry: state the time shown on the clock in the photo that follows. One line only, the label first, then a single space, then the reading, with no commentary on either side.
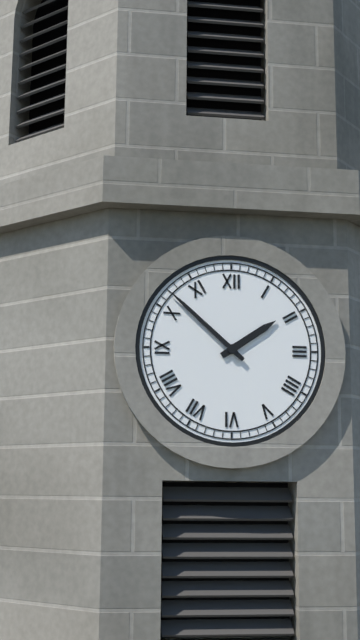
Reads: 1:52
